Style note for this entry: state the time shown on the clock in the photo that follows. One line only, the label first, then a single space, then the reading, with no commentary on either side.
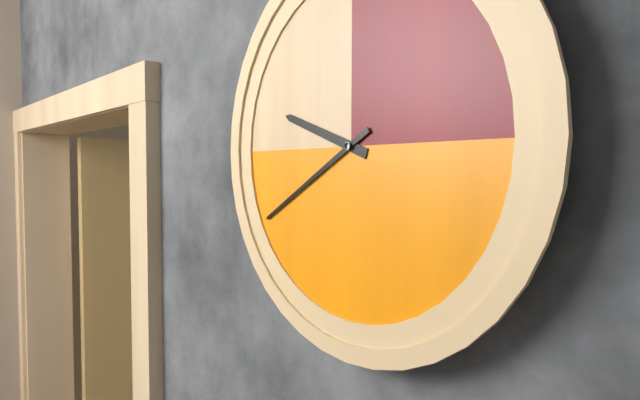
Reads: 9:40
